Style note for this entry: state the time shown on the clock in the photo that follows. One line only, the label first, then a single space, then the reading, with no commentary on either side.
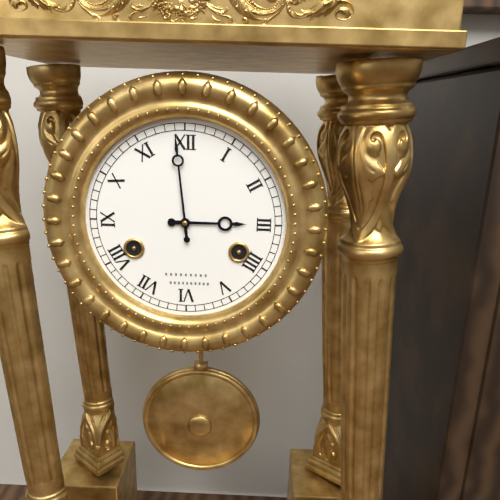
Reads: 2:59
